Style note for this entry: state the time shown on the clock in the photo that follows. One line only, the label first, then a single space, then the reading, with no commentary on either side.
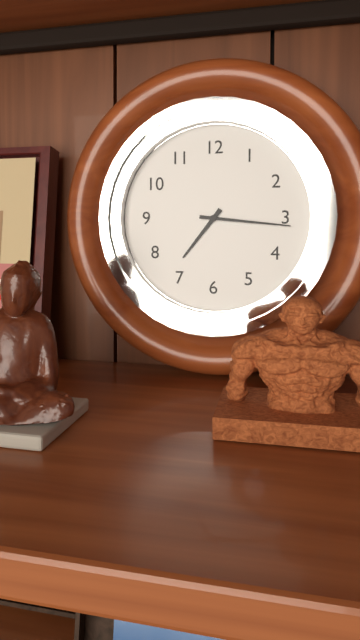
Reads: 7:16
